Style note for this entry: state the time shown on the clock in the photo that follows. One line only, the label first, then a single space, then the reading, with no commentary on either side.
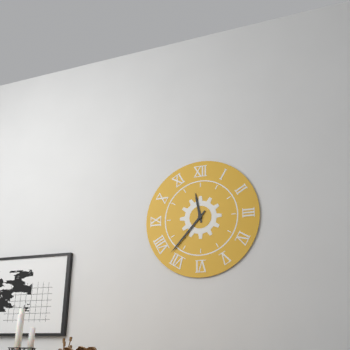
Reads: 11:37
